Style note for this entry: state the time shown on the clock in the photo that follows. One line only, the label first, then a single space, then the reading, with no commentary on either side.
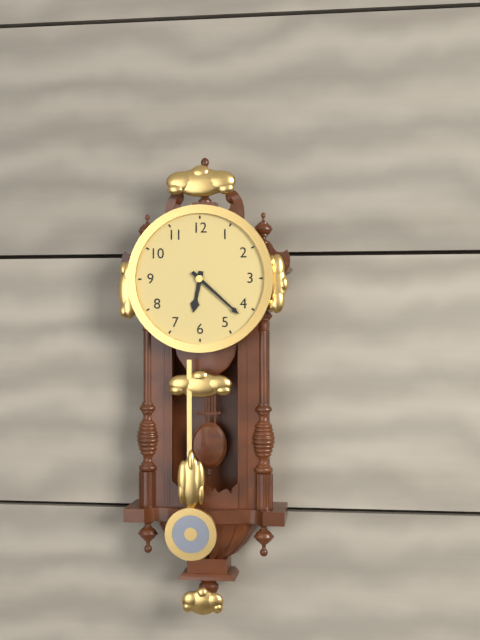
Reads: 6:22
